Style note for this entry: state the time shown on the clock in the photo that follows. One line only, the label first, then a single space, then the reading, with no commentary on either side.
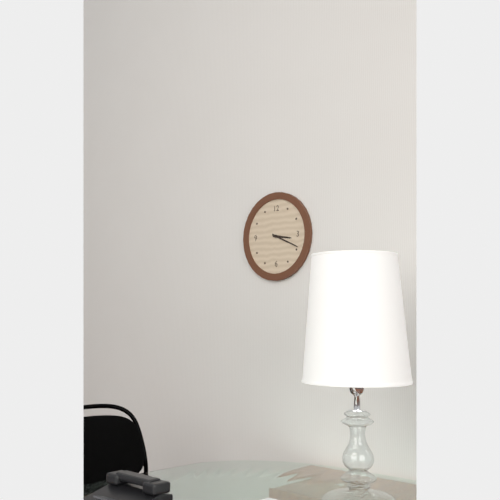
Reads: 3:19
